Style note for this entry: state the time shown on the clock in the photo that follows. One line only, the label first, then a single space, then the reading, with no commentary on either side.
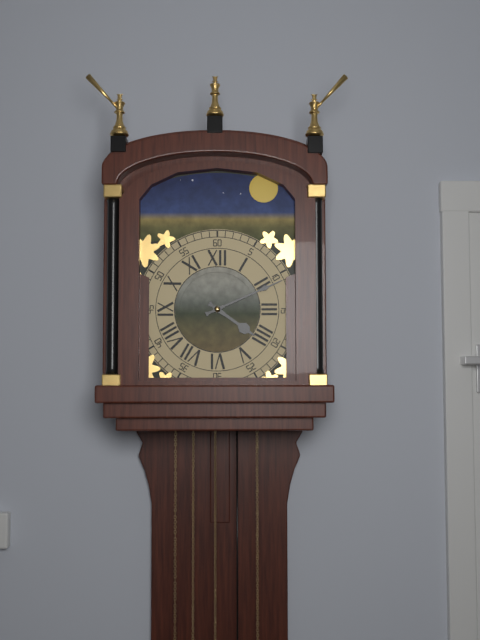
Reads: 4:11
